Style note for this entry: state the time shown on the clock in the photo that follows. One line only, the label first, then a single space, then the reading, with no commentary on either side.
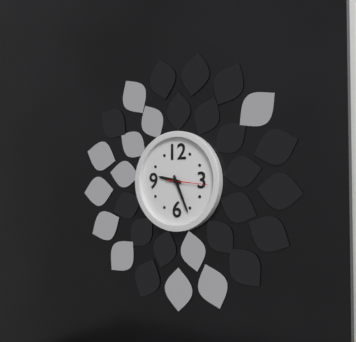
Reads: 9:26
